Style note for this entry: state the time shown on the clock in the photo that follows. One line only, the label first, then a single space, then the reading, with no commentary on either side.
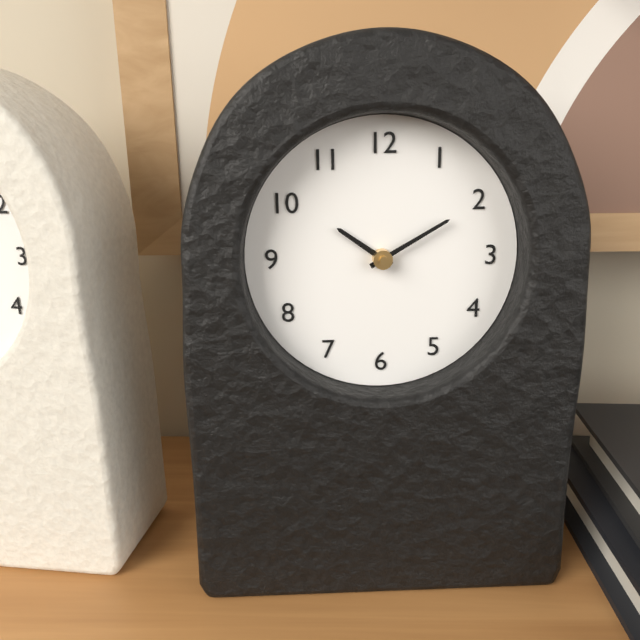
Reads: 10:10
